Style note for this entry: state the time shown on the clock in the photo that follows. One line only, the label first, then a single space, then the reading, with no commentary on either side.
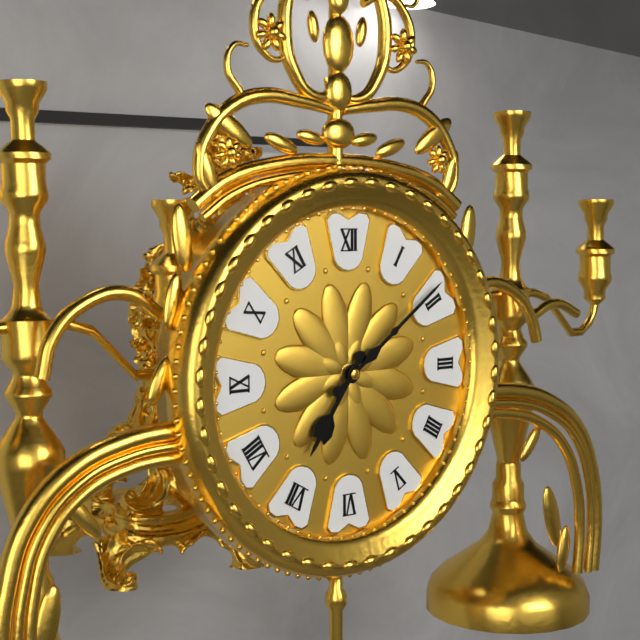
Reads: 7:09
